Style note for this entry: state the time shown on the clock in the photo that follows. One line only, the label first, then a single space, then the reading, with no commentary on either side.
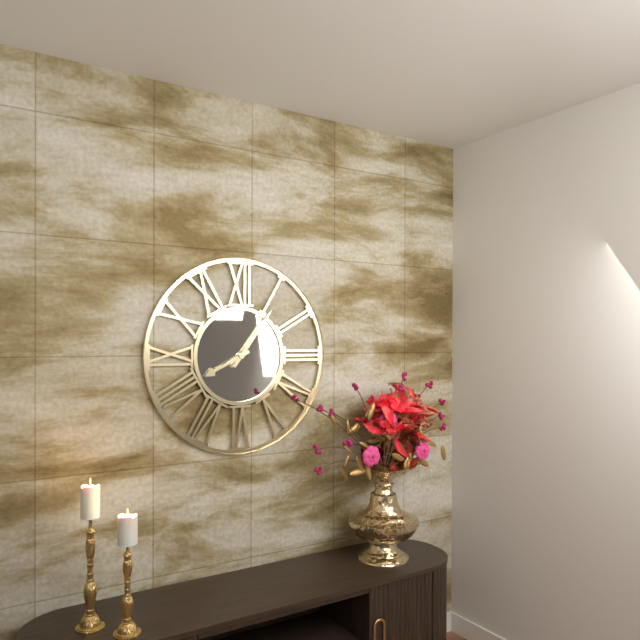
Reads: 8:06
